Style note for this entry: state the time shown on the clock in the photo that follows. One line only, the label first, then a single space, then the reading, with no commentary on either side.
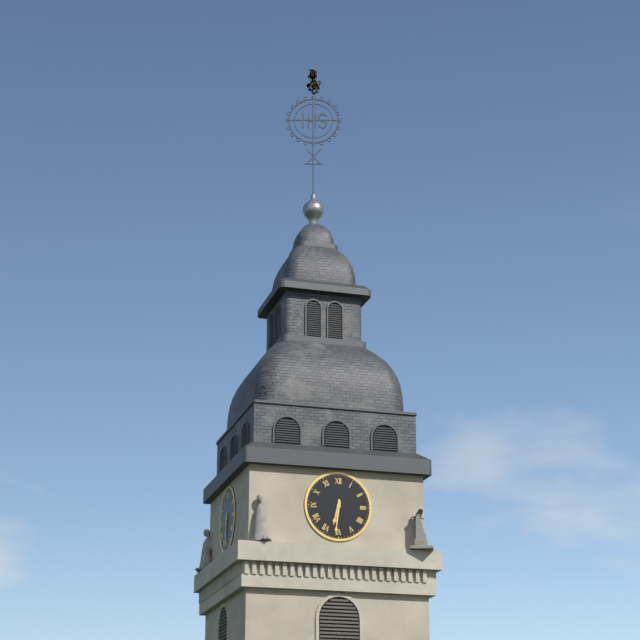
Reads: 6:31
